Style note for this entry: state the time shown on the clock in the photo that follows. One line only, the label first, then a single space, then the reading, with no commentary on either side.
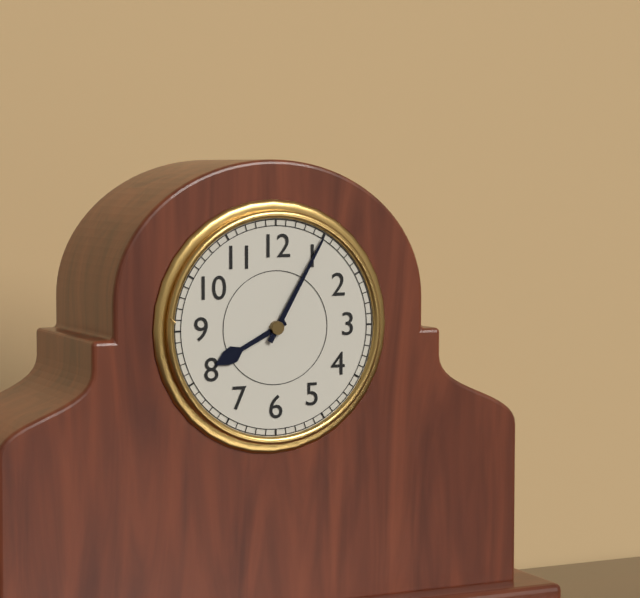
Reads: 8:05
